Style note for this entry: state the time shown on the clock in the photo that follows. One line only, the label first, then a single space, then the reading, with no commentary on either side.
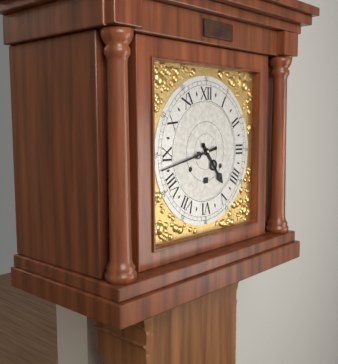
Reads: 4:43
